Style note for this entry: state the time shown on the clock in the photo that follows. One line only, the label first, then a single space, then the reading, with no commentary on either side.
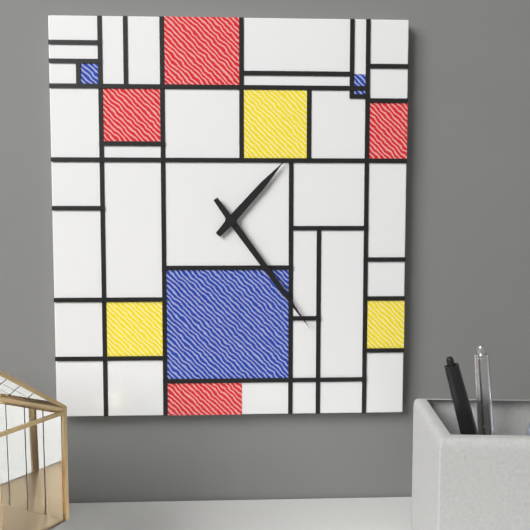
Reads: 1:24
